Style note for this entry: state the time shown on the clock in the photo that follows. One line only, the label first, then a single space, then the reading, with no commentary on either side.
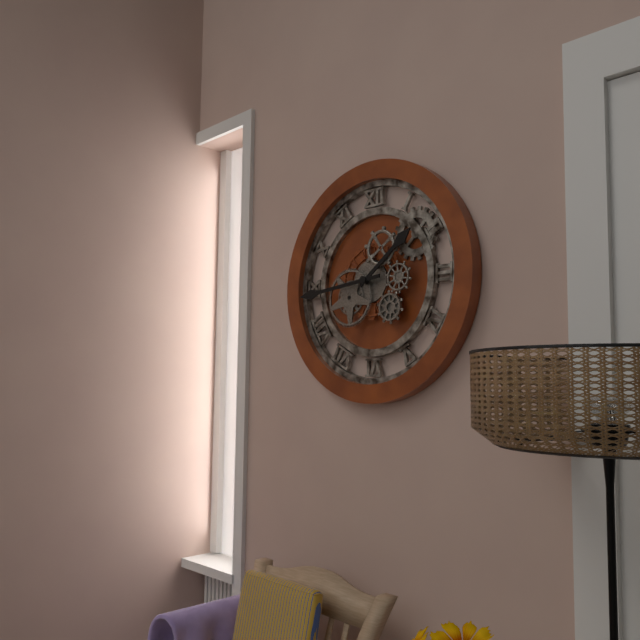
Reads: 1:44
